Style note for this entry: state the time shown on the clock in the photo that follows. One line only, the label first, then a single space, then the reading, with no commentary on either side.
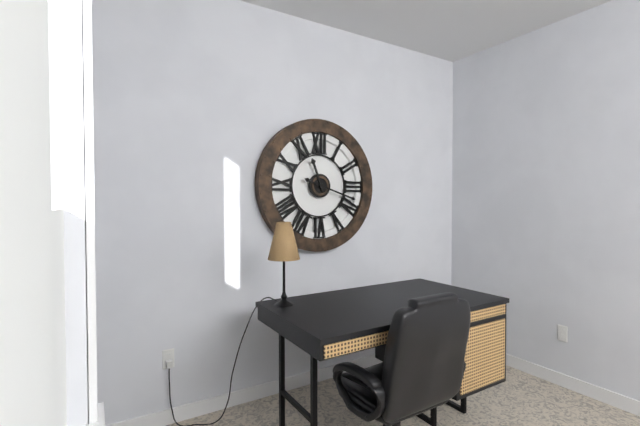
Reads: 11:18
